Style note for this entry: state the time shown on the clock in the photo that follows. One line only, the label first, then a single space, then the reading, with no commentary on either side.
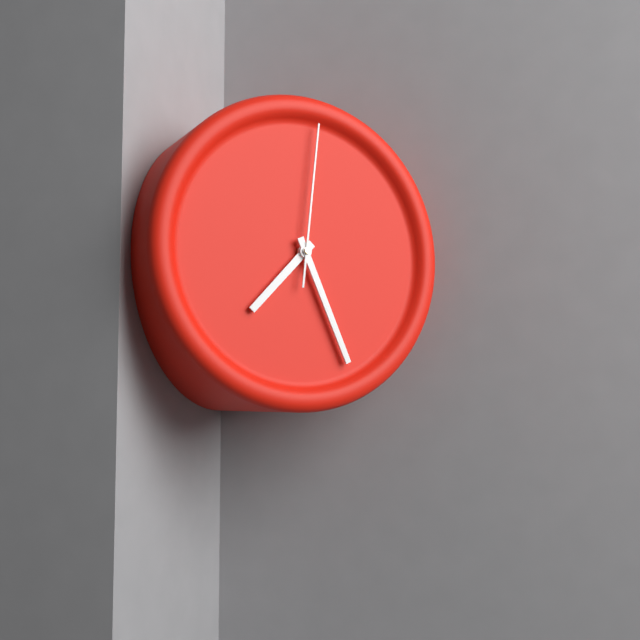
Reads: 7:26:01
